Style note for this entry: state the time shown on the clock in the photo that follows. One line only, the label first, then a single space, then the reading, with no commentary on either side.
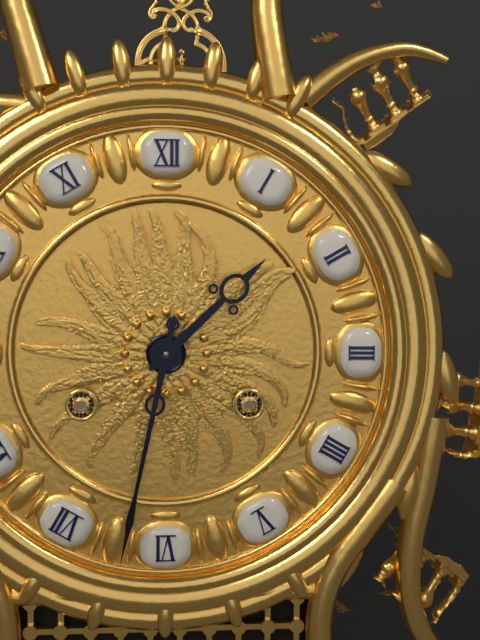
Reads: 1:32
